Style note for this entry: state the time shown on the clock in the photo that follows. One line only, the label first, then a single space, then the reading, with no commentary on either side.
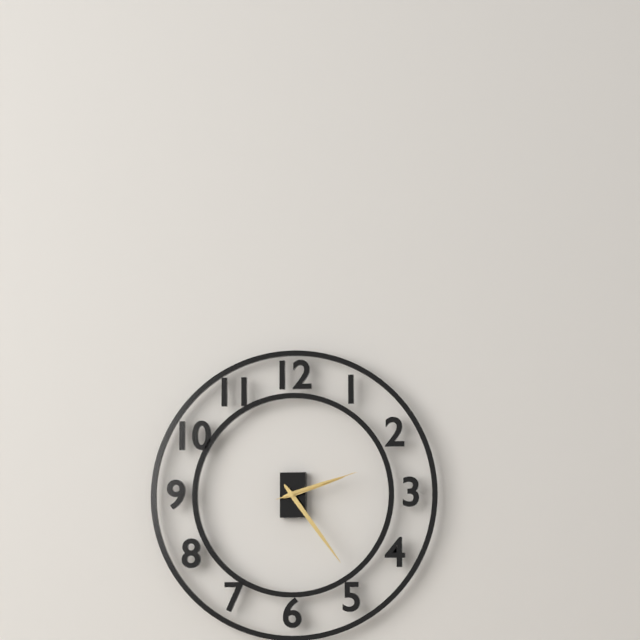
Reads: 2:24:12
